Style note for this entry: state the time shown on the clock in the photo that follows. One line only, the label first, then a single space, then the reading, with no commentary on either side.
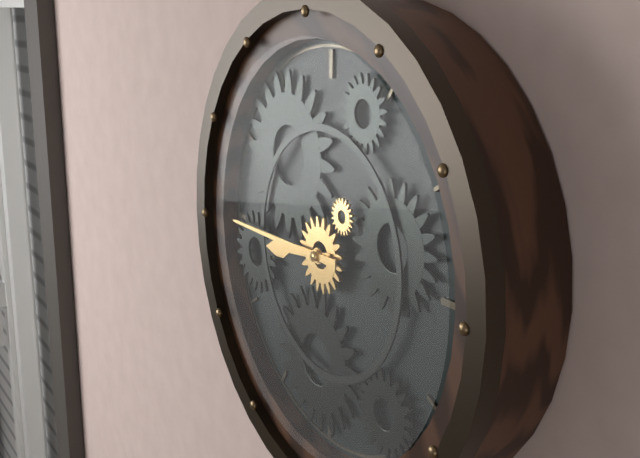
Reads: 8:45
